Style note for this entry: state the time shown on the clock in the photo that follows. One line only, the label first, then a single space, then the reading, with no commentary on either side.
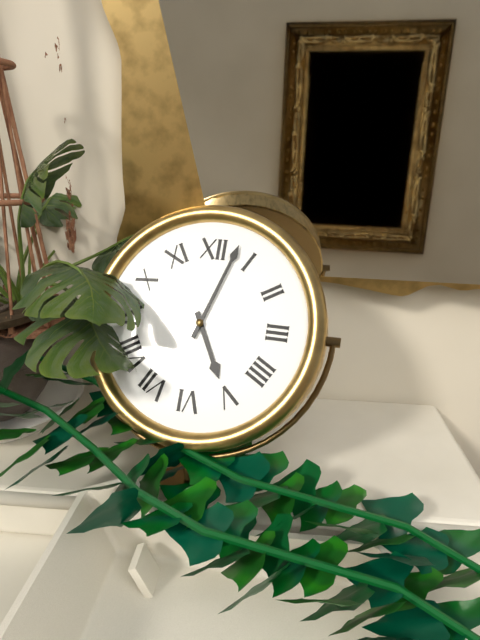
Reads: 5:03
